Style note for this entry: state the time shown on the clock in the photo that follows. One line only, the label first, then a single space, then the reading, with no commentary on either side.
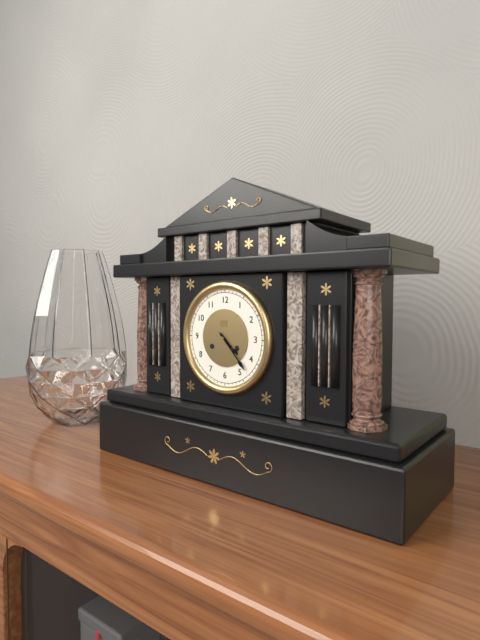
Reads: 4:23
